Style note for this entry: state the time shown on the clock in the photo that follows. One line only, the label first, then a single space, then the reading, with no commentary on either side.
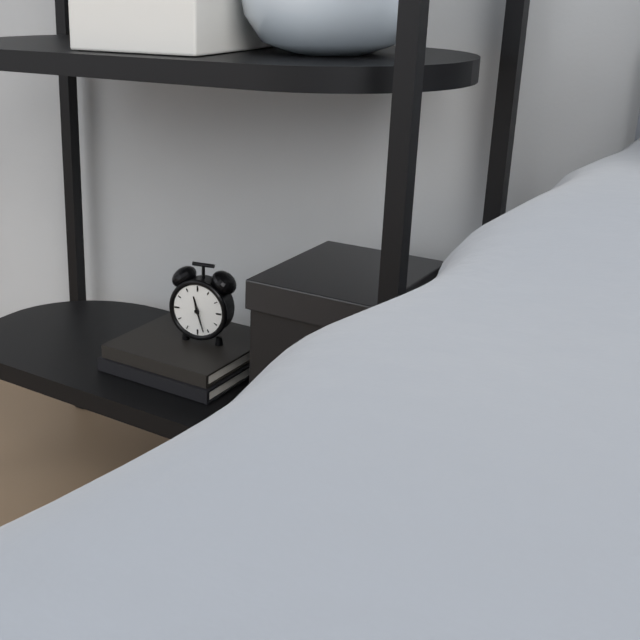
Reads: 11:27
